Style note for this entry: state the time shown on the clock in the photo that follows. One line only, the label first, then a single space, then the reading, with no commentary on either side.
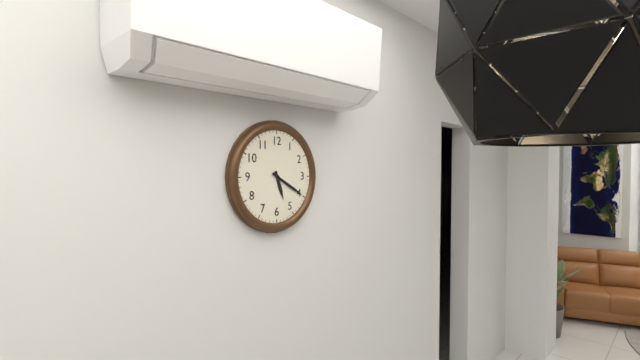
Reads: 5:20
